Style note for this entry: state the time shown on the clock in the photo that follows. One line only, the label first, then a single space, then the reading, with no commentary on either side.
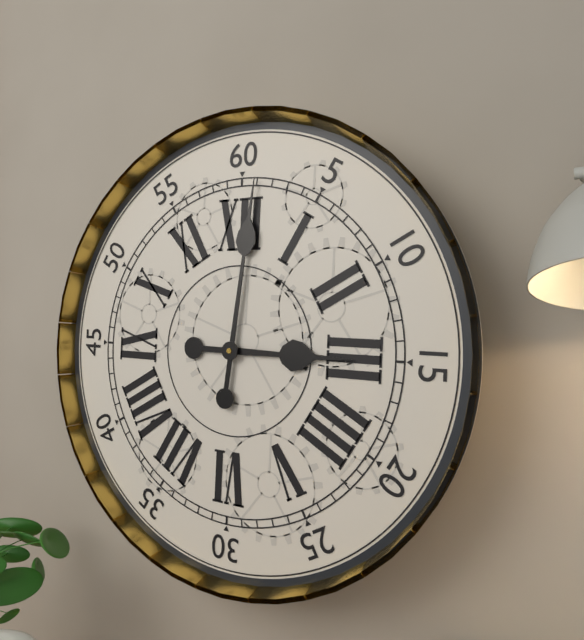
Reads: 3:01
